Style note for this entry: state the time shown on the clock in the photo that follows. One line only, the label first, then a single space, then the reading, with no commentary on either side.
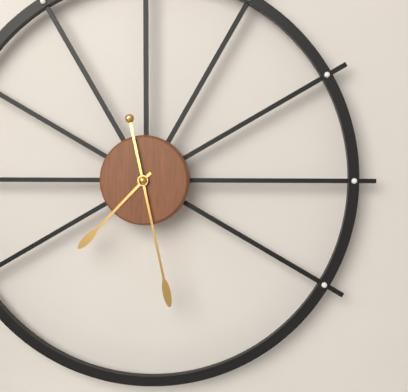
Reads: 7:28
